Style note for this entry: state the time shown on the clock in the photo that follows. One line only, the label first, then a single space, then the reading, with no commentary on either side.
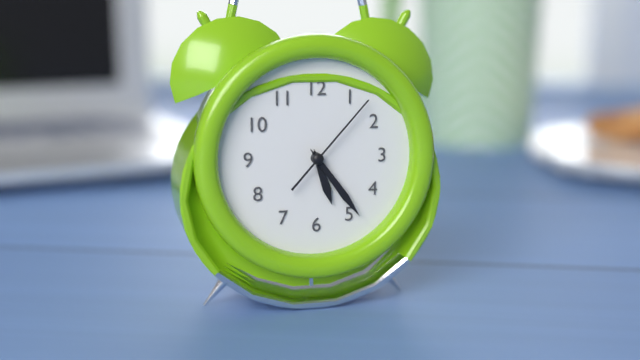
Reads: 5:24:07
